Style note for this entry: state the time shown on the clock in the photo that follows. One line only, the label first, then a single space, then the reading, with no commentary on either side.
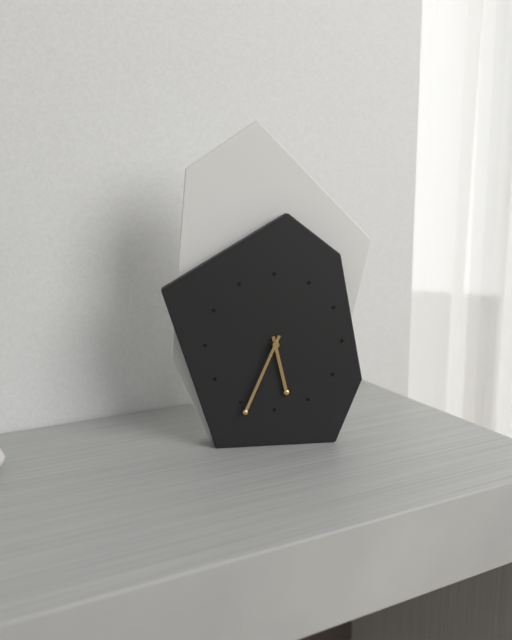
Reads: 5:34
